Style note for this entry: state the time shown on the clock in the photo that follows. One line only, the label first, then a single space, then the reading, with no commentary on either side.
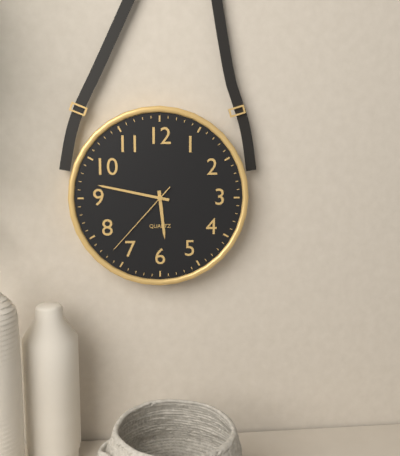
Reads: 5:47:37
